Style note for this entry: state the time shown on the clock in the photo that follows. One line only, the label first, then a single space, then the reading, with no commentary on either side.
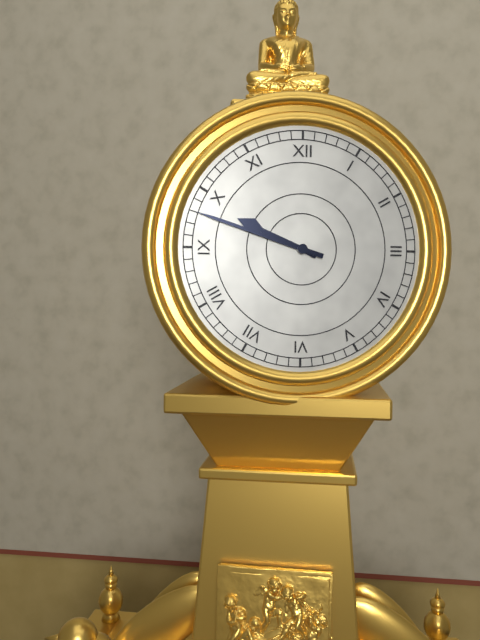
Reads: 9:48
